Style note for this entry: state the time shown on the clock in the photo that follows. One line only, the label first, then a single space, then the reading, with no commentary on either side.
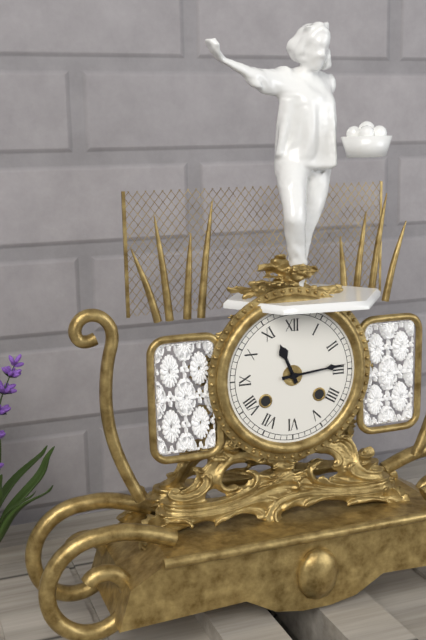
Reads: 11:14
